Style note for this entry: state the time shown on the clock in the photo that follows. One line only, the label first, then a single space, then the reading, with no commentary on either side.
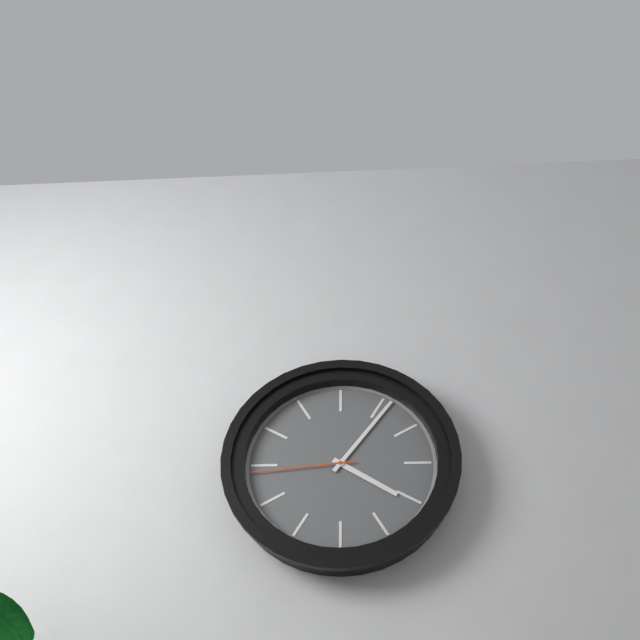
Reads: 4:06:44
